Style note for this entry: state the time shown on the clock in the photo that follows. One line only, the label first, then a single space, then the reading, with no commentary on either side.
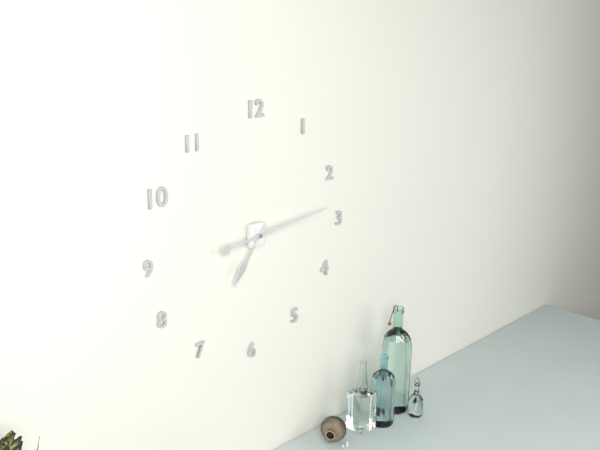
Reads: 7:14
